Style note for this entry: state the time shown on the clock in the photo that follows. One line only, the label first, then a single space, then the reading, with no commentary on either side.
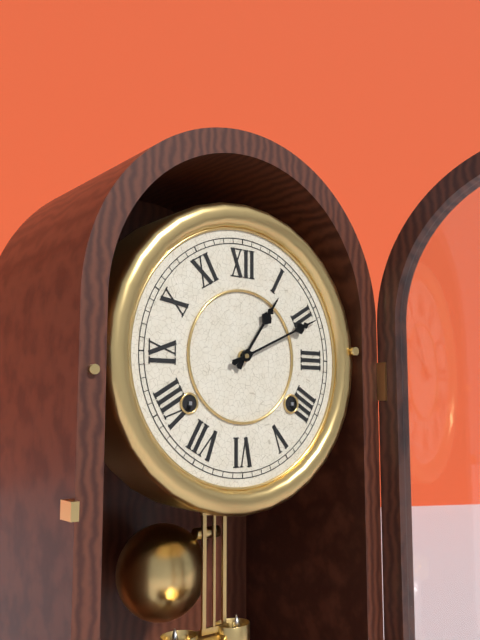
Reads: 1:11
